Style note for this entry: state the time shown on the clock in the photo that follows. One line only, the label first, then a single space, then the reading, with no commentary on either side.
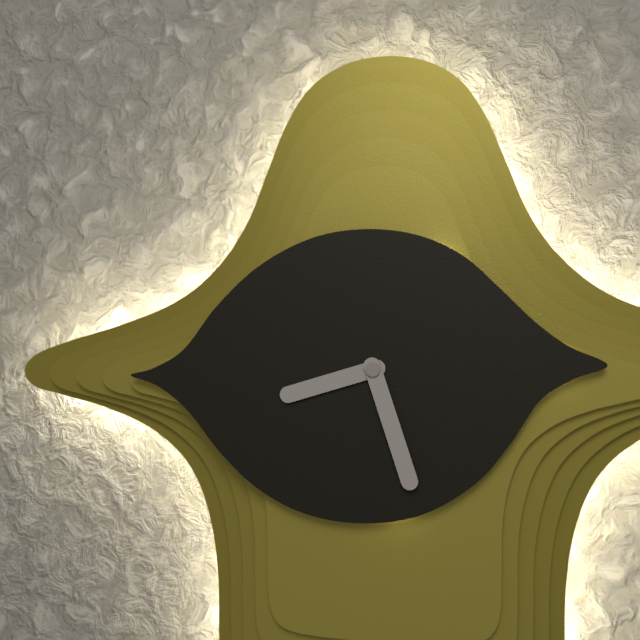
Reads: 8:27
